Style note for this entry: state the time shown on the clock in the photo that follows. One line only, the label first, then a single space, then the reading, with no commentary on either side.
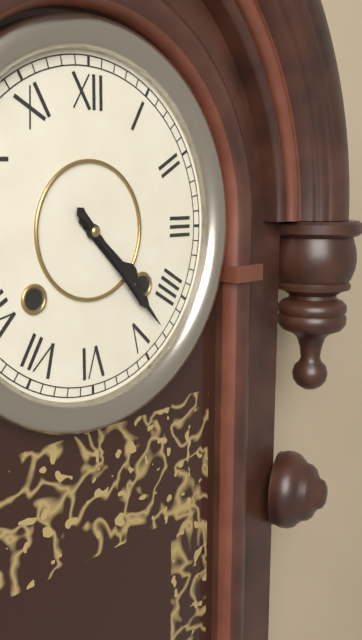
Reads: 4:23
